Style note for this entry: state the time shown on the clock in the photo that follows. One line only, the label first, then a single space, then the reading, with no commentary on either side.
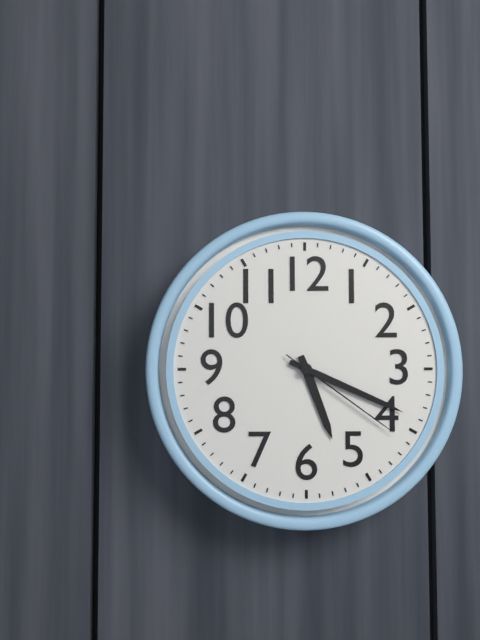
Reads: 5:19:21
